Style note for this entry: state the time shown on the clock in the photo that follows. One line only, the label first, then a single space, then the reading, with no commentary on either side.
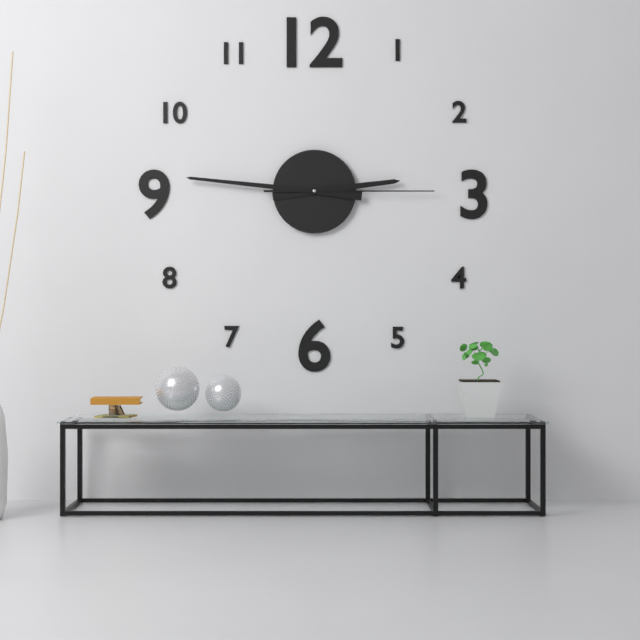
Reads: 2:46:15
